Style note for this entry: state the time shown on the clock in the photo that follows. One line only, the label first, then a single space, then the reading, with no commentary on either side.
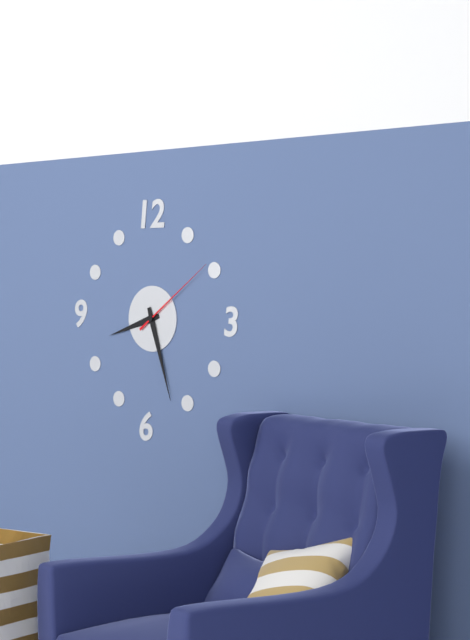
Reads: 8:27:09
